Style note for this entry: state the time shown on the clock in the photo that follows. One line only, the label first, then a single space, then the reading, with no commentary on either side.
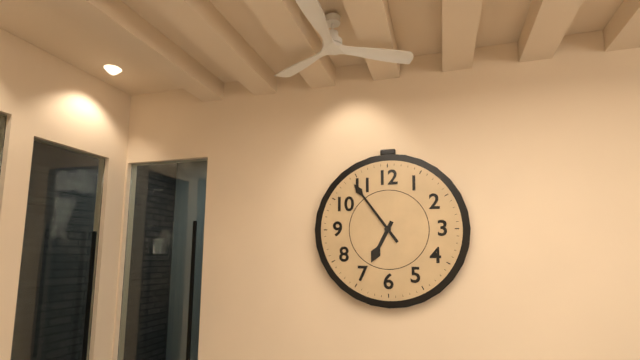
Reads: 6:54
